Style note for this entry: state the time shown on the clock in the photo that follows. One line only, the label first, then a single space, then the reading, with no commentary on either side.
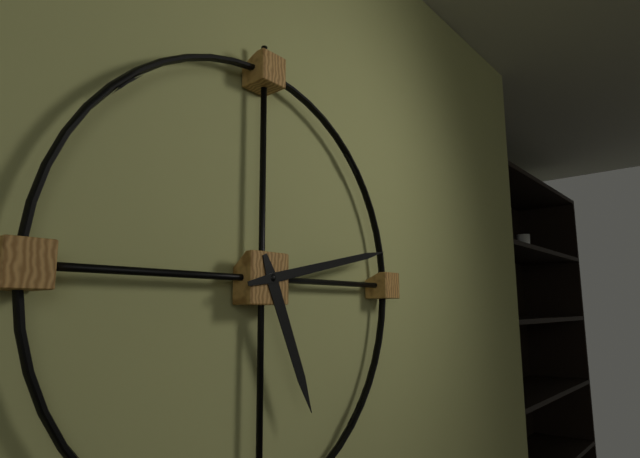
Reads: 5:13
